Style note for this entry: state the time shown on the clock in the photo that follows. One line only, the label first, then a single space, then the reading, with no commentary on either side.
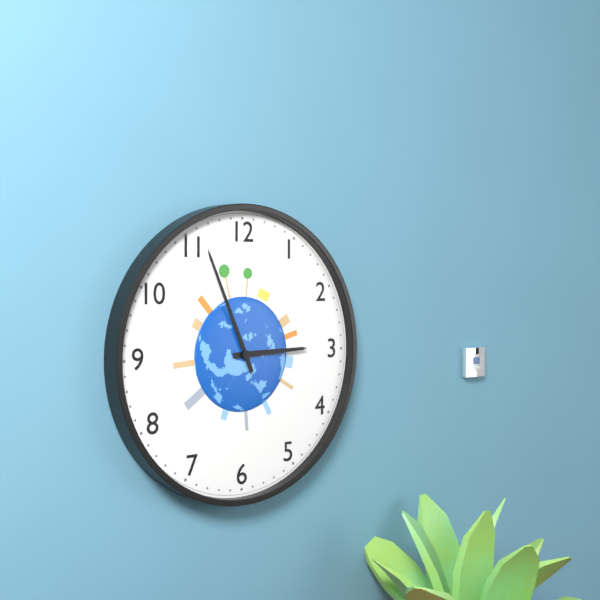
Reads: 2:56
